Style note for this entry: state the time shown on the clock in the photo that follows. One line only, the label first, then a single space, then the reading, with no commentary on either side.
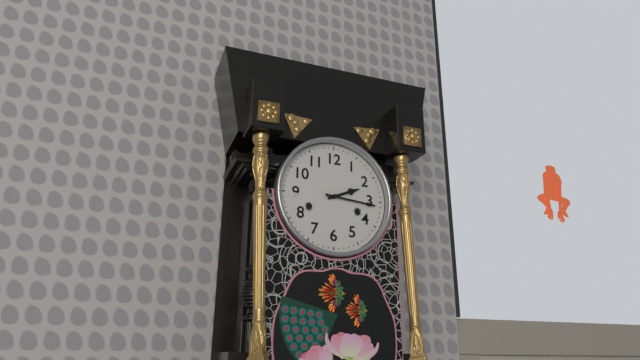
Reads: 2:16
